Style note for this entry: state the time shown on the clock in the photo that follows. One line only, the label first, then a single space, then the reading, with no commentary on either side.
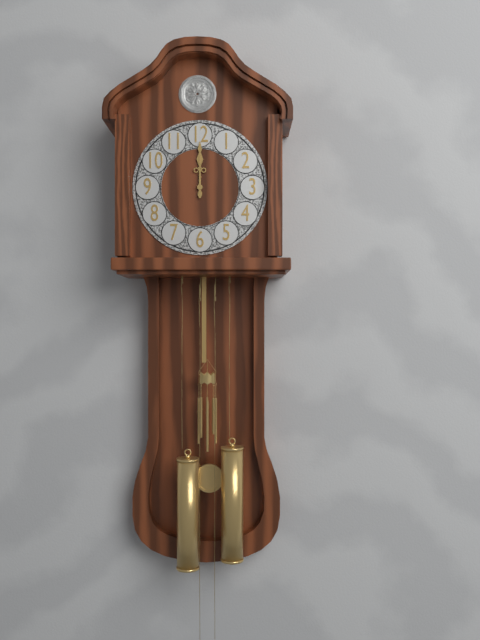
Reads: 12:00
